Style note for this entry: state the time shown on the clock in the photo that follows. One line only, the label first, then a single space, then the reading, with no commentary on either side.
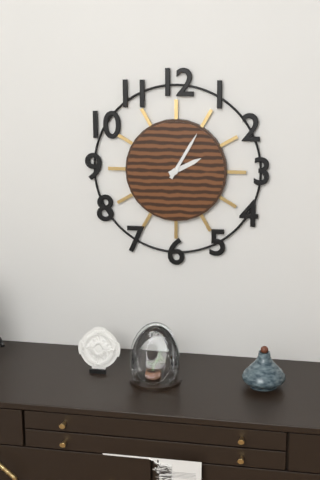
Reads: 2:05
